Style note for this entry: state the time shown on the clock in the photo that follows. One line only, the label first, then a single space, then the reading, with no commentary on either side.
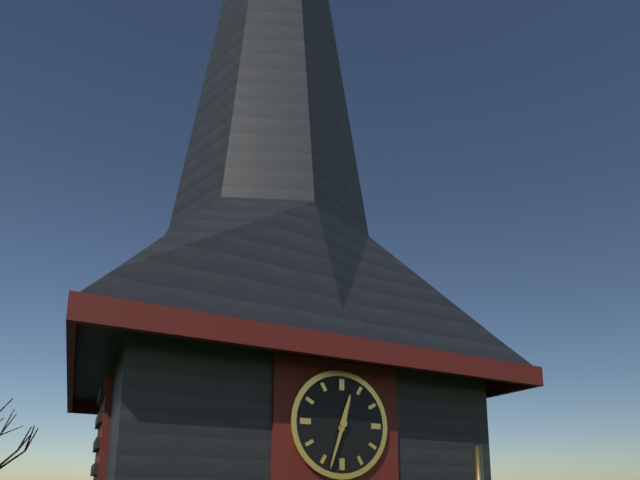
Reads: 12:33
